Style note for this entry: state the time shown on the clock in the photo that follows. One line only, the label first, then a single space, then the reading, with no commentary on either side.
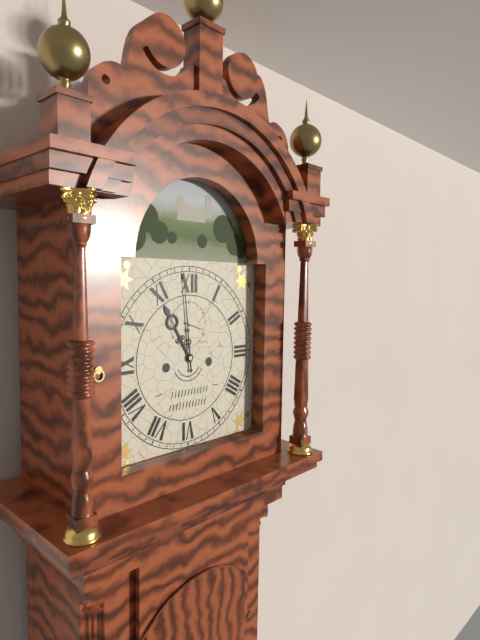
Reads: 10:59
